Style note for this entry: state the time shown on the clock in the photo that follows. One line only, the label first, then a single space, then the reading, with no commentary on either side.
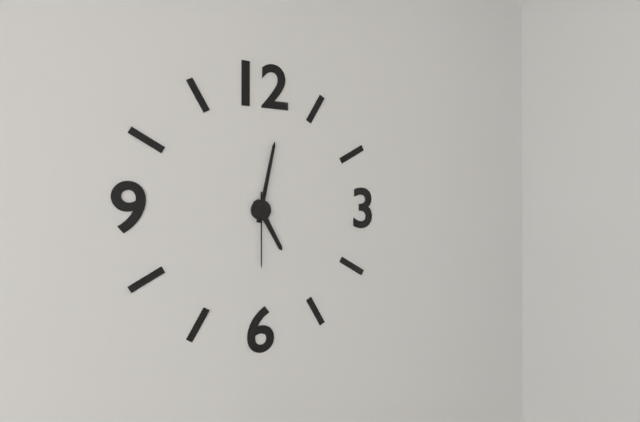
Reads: 5:02:30
